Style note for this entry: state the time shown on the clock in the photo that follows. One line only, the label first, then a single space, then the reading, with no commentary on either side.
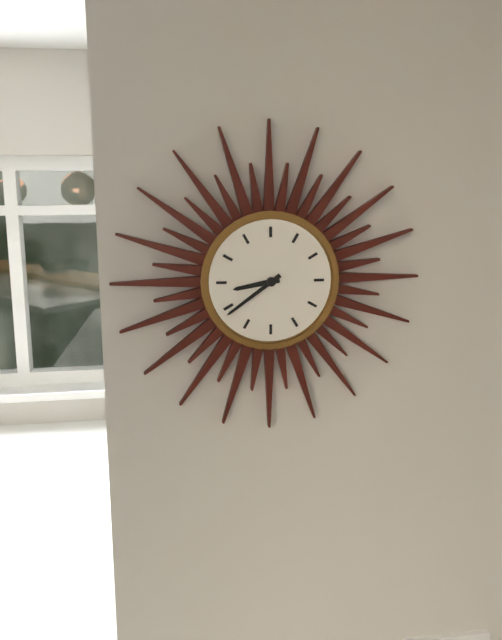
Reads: 8:39
